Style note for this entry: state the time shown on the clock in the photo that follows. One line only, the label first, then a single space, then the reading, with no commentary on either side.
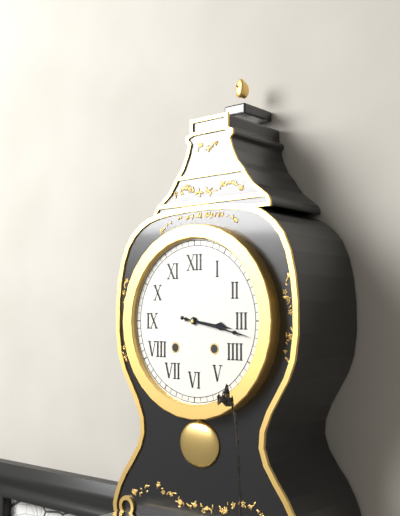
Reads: 3:17
